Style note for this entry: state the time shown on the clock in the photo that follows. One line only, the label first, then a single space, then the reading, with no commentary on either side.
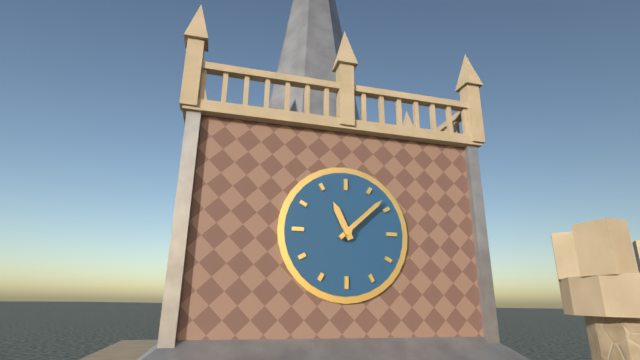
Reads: 11:08
